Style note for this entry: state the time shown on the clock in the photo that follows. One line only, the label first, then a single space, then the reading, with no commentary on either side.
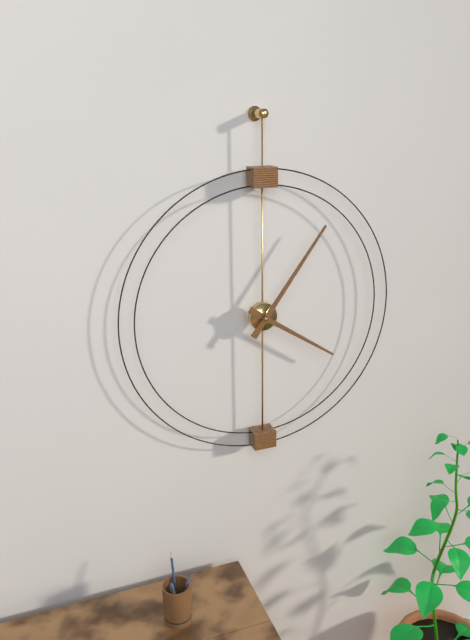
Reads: 4:06
